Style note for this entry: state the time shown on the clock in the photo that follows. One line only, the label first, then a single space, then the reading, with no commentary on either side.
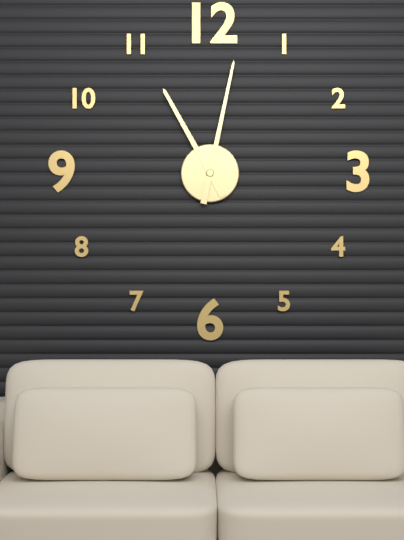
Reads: 11:02
